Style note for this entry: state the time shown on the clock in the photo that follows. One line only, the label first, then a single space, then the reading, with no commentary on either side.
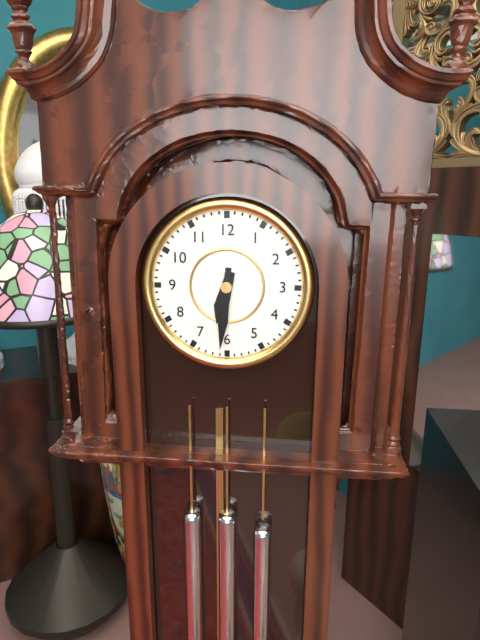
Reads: 6:31
